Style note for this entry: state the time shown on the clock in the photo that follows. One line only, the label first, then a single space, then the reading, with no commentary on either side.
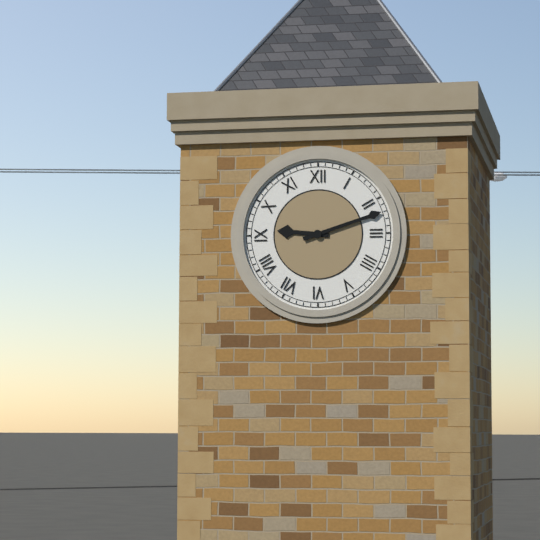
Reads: 9:12
